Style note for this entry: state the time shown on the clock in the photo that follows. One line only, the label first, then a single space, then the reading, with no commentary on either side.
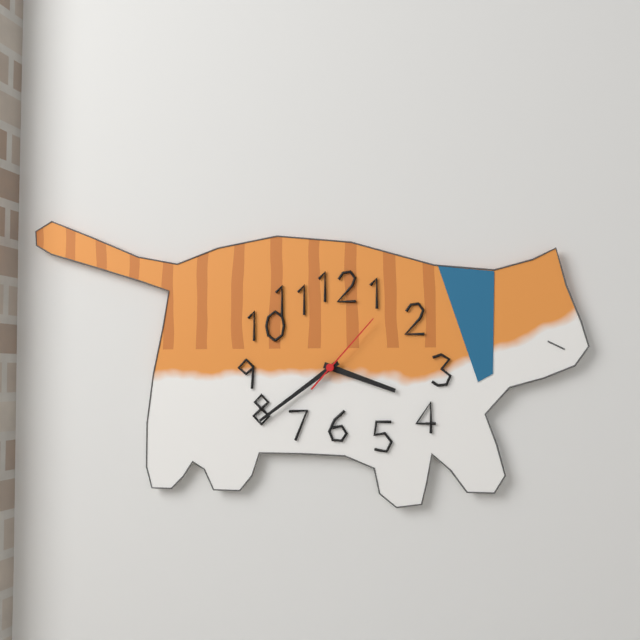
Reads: 3:39:07
